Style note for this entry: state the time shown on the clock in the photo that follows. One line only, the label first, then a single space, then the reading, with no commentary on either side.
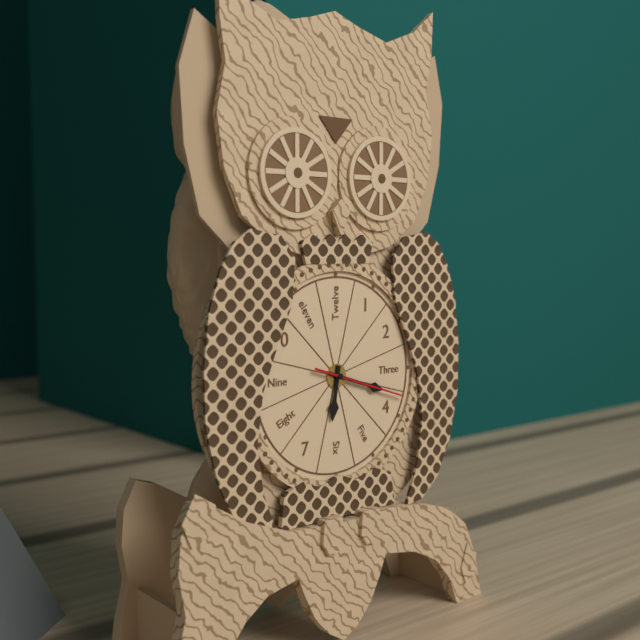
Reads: 6:18:18
